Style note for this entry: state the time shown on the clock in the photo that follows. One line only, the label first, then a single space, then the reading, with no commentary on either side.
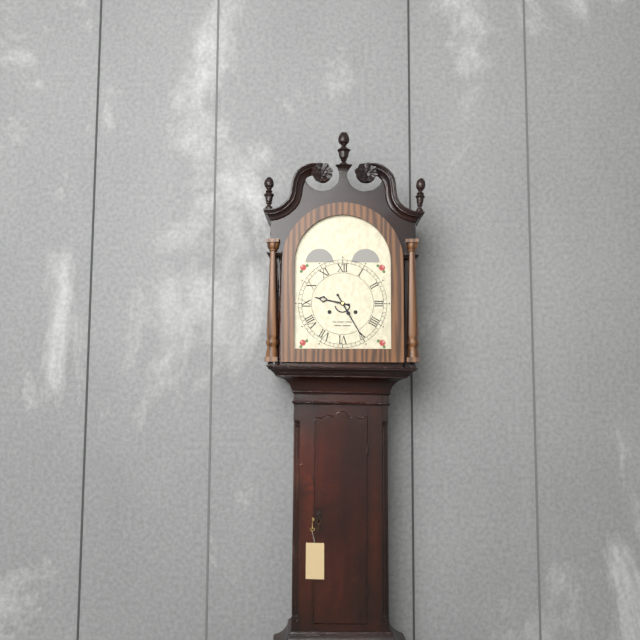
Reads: 9:25
